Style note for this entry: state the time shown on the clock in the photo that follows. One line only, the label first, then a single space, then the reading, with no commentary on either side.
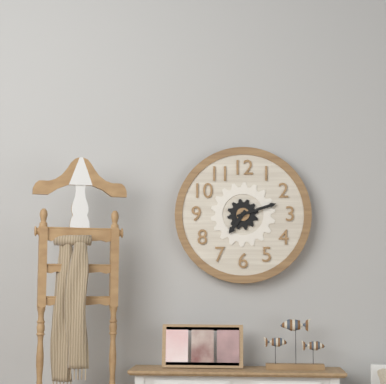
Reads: 7:12
